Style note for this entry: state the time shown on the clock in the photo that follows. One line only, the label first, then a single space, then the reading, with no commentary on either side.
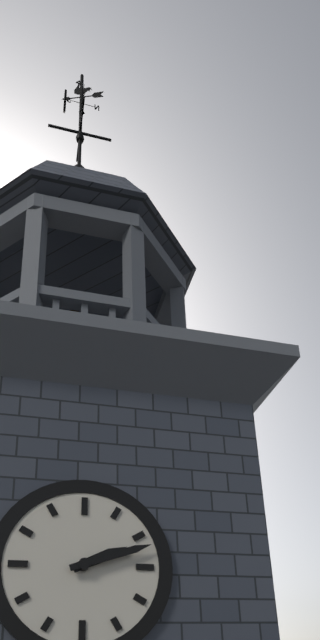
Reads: 2:12
